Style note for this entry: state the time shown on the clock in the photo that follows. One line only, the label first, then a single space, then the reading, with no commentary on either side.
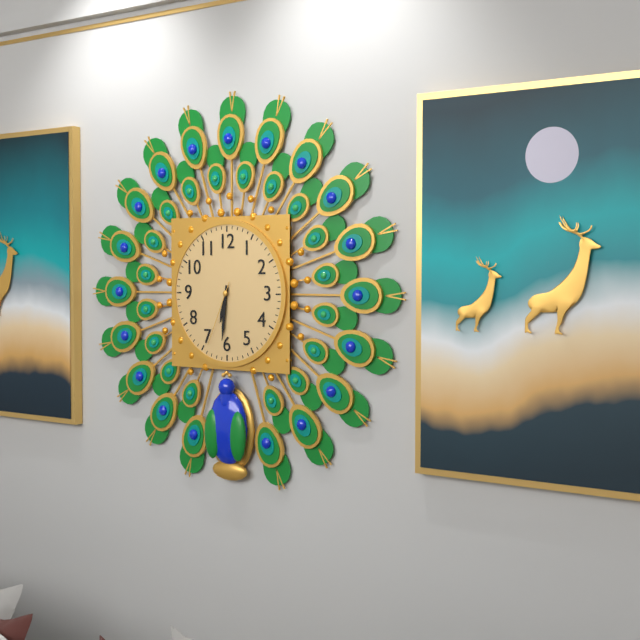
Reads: 6:31:34
